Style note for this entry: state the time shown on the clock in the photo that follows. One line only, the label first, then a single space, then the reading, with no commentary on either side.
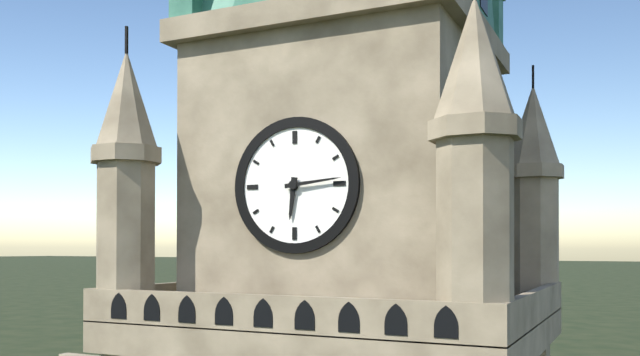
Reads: 6:14
